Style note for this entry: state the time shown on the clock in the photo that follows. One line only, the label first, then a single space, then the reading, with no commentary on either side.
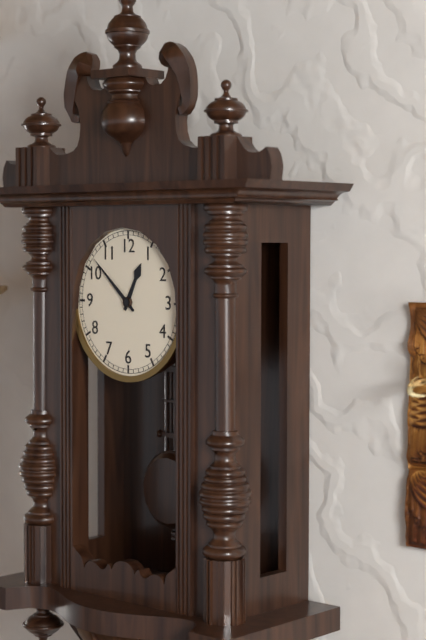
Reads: 12:52
